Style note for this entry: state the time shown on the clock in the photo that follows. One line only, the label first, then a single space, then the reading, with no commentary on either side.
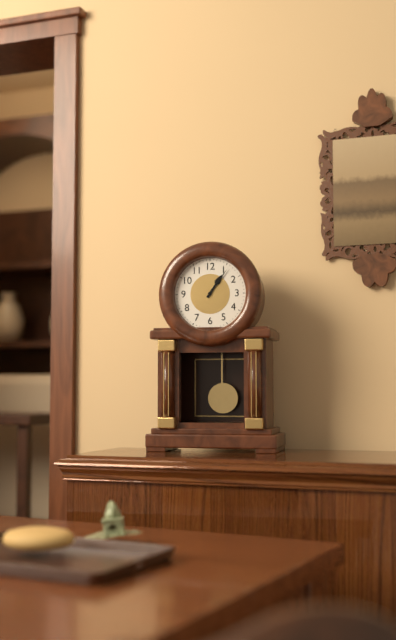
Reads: 1:06
